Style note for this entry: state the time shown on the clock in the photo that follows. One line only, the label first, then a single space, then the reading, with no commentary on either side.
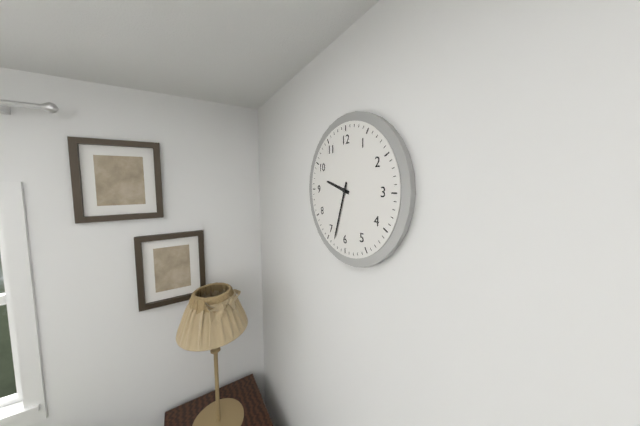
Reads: 9:33
